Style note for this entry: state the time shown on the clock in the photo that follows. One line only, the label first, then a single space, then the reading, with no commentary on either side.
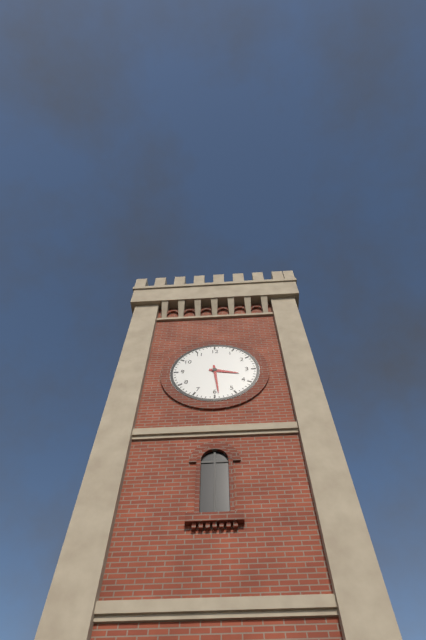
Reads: 3:29
